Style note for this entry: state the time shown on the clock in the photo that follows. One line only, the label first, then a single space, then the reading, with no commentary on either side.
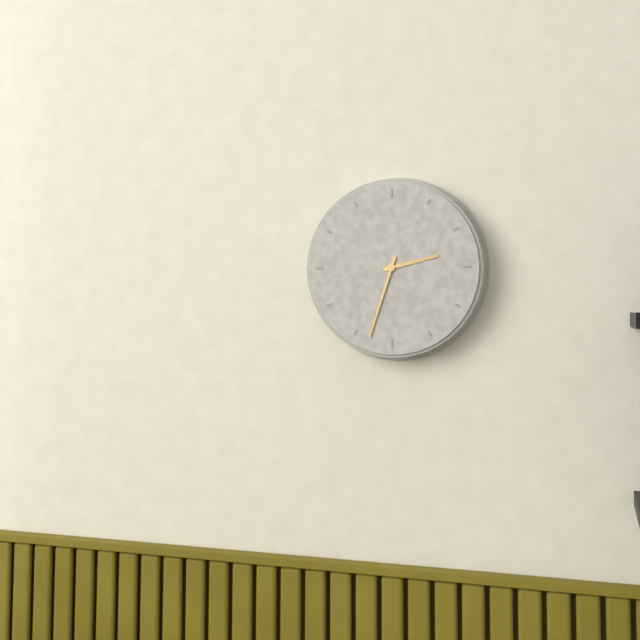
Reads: 2:33
